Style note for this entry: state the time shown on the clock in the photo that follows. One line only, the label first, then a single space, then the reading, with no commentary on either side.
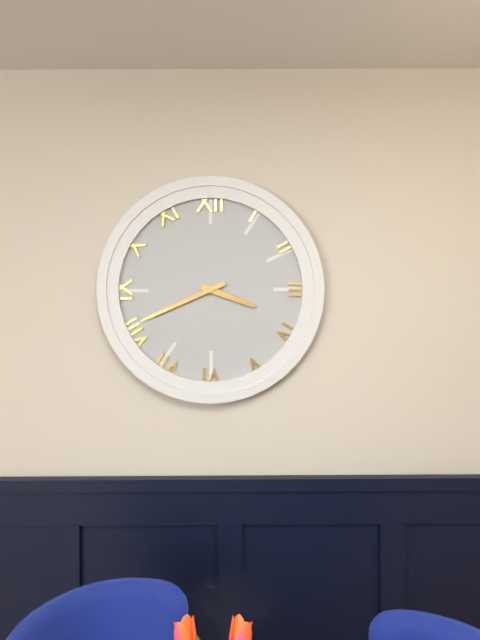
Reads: 3:41
